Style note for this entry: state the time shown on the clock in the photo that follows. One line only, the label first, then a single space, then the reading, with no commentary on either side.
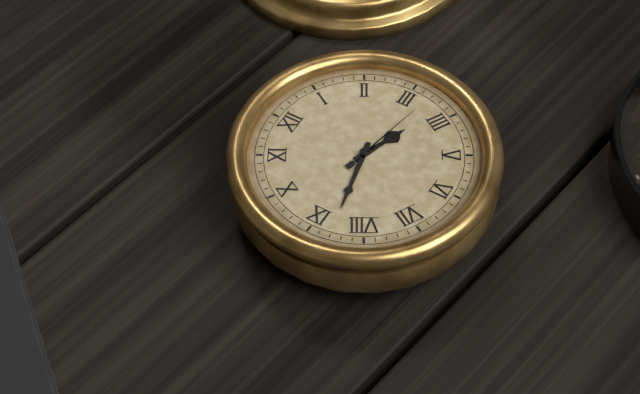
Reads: 3:43:17
